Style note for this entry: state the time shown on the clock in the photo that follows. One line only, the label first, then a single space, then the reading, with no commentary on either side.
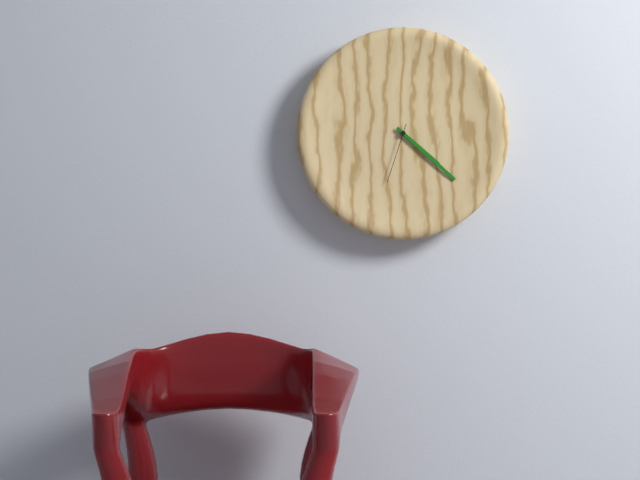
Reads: 4:22:33
